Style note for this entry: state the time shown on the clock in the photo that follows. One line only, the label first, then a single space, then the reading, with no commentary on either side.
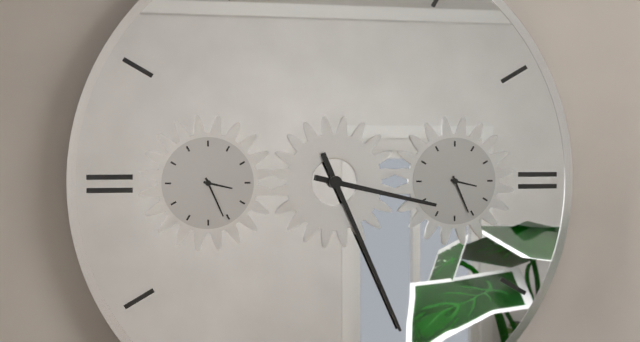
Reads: 3:26
